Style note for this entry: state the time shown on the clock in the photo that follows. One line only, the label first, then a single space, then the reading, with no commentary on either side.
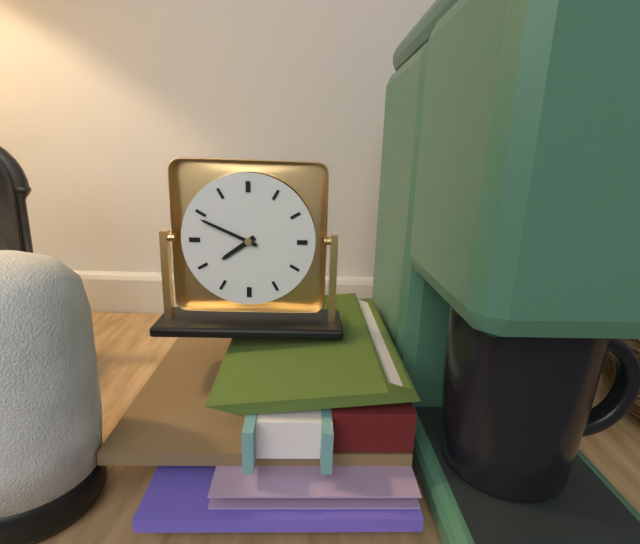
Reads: 7:49
